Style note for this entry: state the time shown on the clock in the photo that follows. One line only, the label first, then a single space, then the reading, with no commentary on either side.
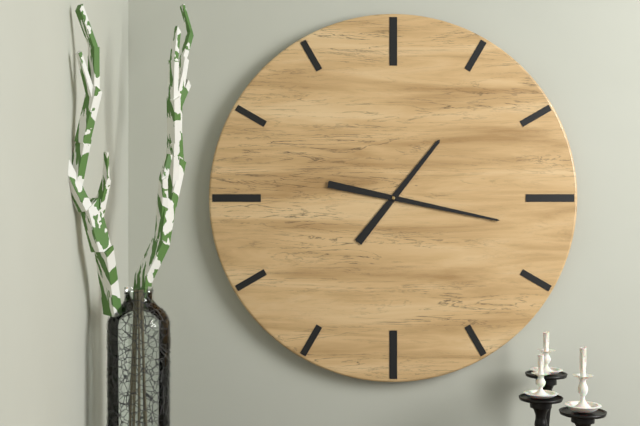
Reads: 1:17
